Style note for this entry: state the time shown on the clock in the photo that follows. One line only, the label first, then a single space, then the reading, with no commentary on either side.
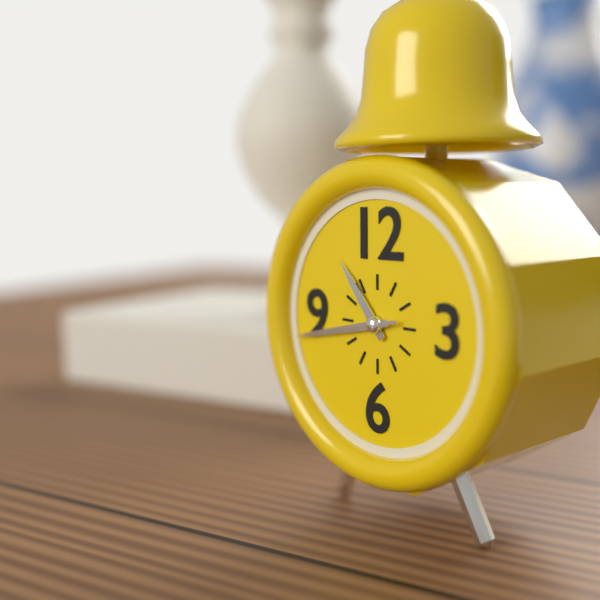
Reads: 10:43:43
